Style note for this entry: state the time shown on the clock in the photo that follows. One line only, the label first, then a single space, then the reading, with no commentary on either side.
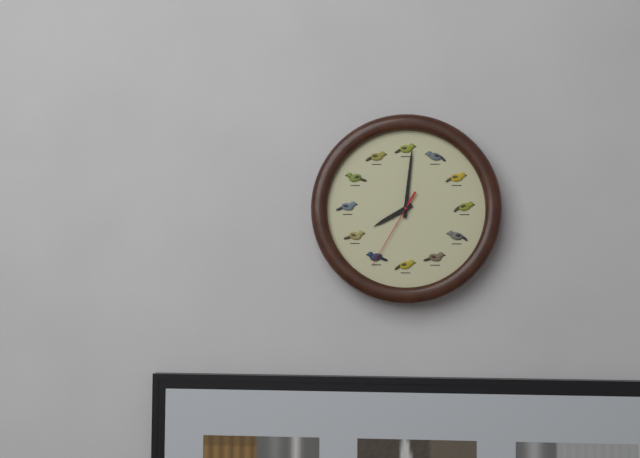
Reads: 8:01:35
